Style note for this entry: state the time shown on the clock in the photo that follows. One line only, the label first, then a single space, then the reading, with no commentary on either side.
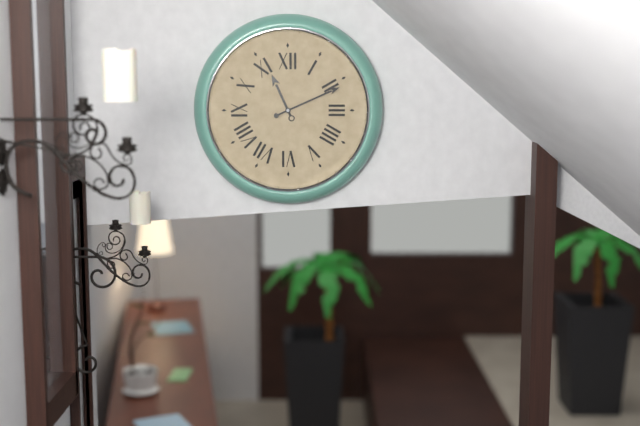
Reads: 11:11
